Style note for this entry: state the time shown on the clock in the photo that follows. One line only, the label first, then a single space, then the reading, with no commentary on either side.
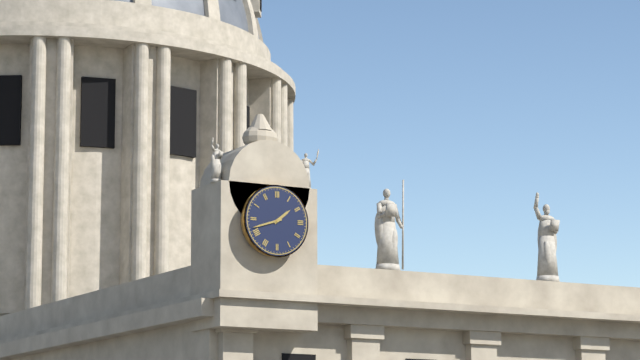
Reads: 1:42
